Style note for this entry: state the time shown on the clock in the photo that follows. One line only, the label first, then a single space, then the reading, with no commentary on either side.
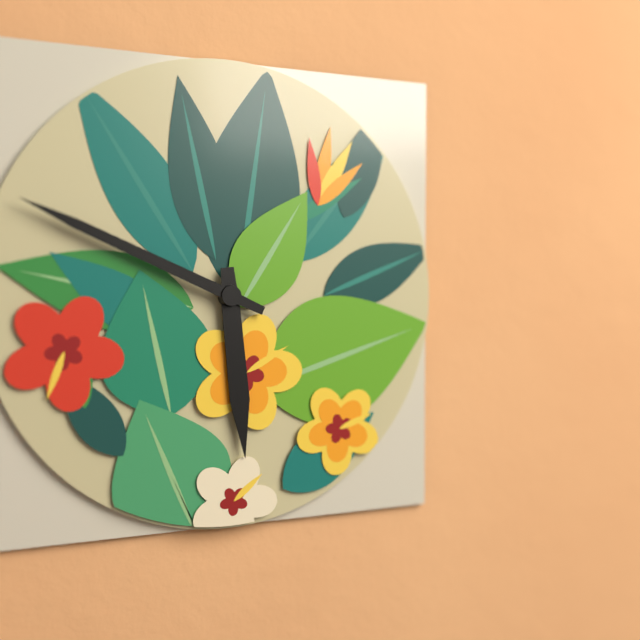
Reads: 5:49
